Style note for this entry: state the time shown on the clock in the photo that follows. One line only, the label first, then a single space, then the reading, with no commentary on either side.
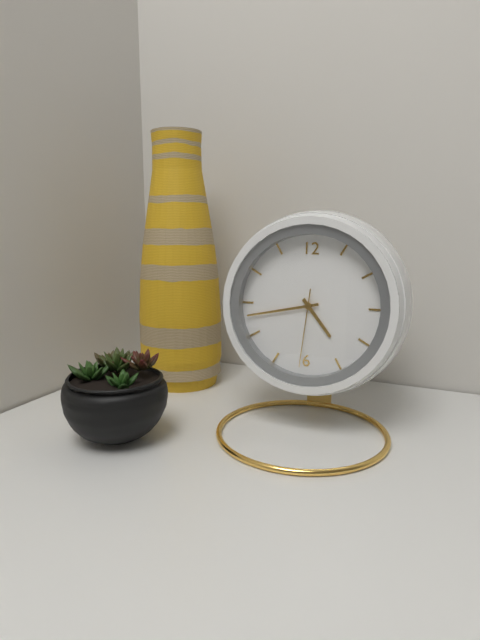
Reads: 4:43:31
